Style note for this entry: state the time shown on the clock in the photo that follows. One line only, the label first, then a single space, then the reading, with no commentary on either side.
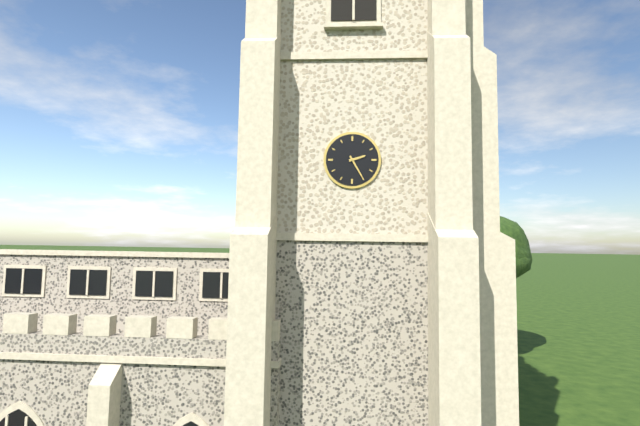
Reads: 2:25
